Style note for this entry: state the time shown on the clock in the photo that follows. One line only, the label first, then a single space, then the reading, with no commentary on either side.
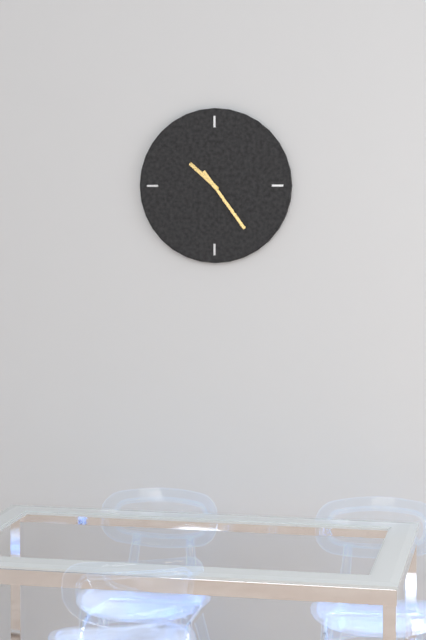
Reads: 10:24
